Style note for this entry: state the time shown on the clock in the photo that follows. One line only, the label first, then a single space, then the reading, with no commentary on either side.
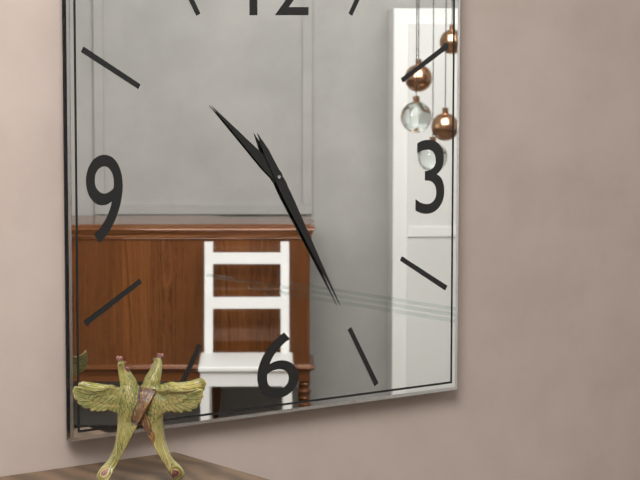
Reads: 10:25
